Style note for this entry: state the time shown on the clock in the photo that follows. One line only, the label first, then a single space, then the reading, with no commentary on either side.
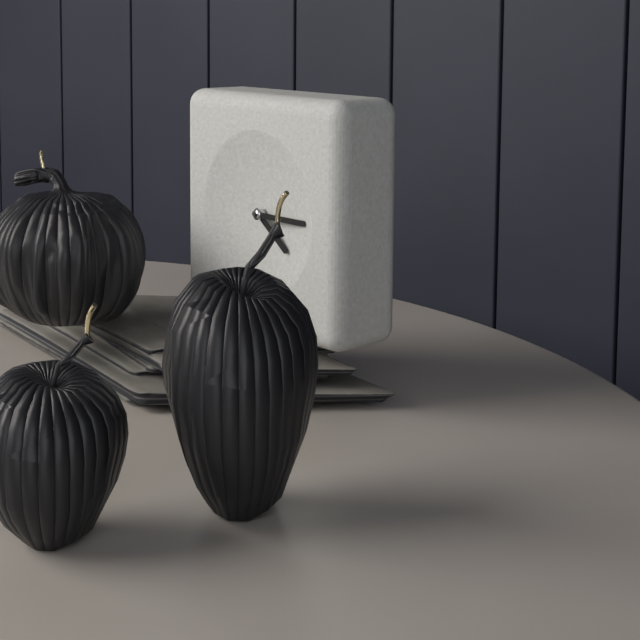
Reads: 4:15
